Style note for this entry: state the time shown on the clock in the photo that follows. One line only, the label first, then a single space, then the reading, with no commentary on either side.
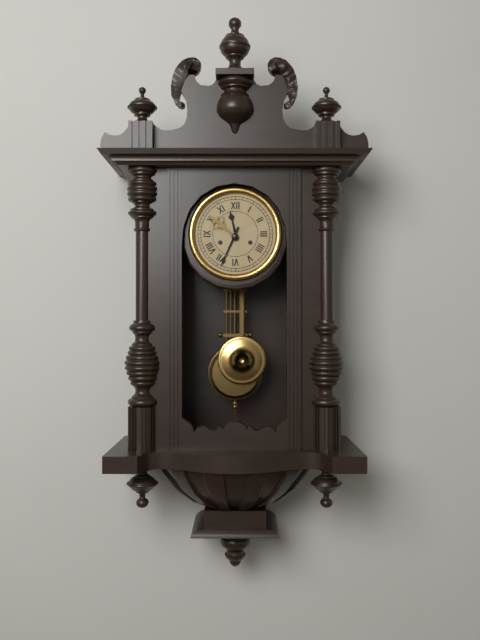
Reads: 11:34
